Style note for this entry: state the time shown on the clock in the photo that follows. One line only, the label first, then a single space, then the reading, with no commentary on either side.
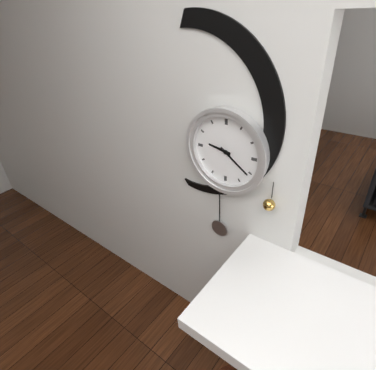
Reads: 9:21
